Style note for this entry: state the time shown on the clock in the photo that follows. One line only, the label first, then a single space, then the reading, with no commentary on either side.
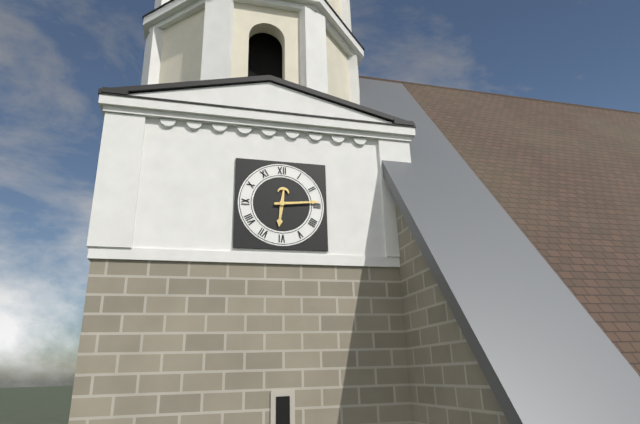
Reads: 6:14
